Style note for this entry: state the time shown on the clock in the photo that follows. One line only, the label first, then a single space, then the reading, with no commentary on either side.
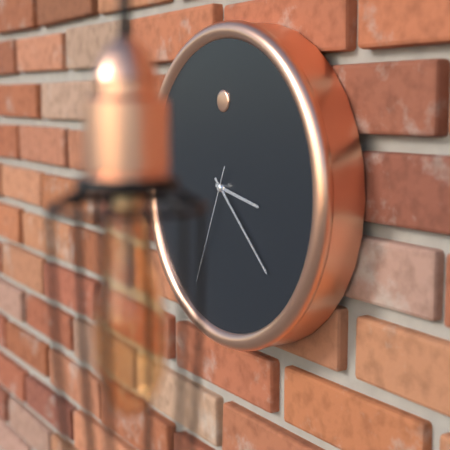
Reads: 3:22:34
